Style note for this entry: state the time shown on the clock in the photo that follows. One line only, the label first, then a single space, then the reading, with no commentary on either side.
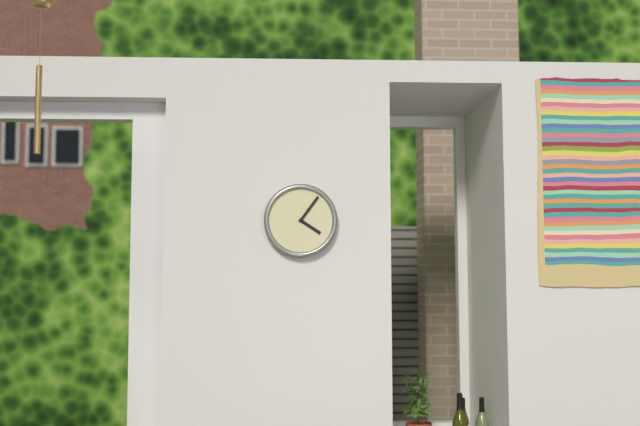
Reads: 4:06
